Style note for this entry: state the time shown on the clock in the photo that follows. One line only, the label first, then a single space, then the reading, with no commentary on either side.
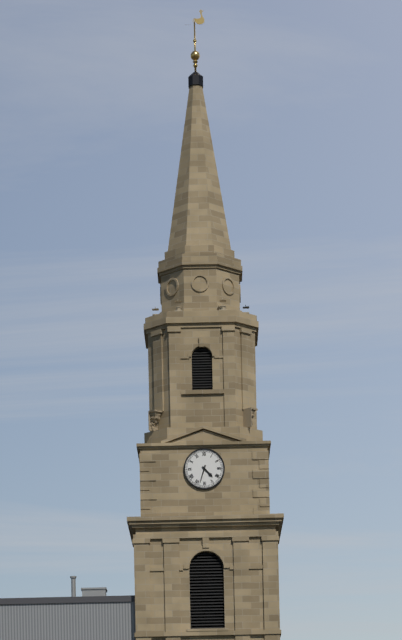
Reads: 4:33
